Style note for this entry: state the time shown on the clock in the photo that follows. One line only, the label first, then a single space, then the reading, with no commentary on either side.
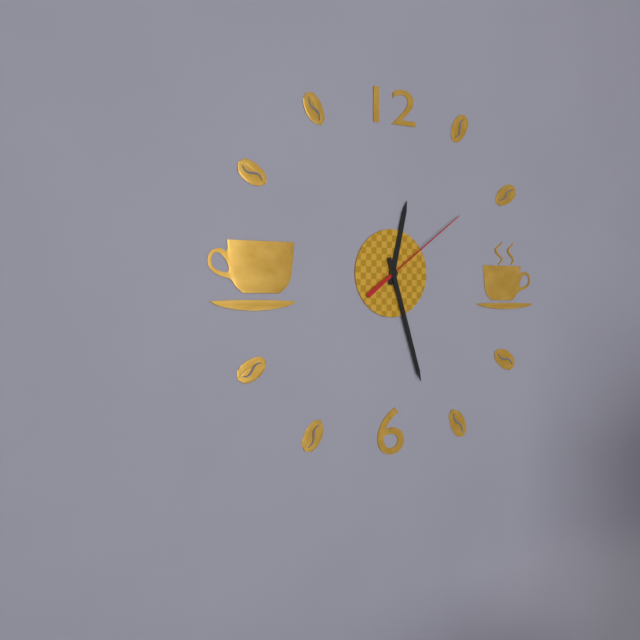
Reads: 12:27:09
